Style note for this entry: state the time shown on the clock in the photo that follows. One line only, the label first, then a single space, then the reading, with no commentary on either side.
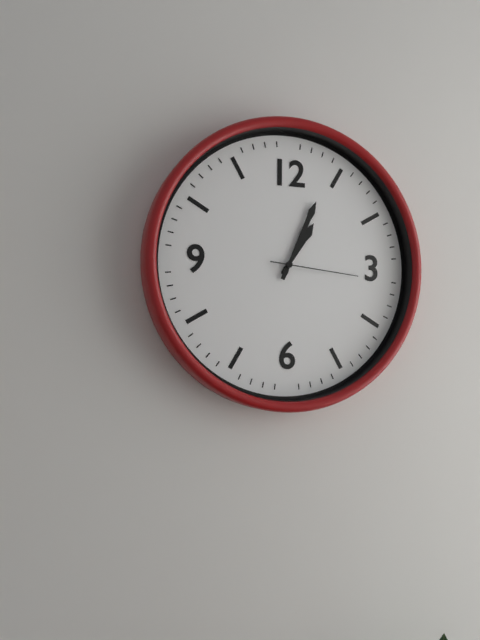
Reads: 1:04:16
